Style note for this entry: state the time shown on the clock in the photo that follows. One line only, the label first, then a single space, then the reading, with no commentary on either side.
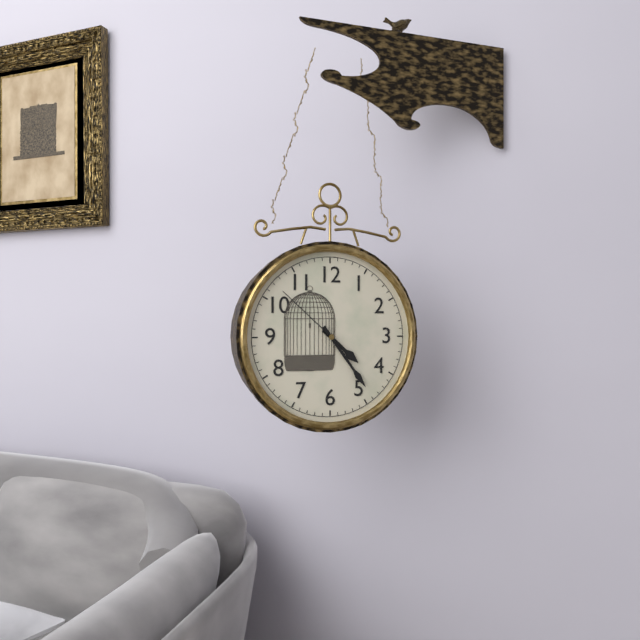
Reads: 4:24:52
